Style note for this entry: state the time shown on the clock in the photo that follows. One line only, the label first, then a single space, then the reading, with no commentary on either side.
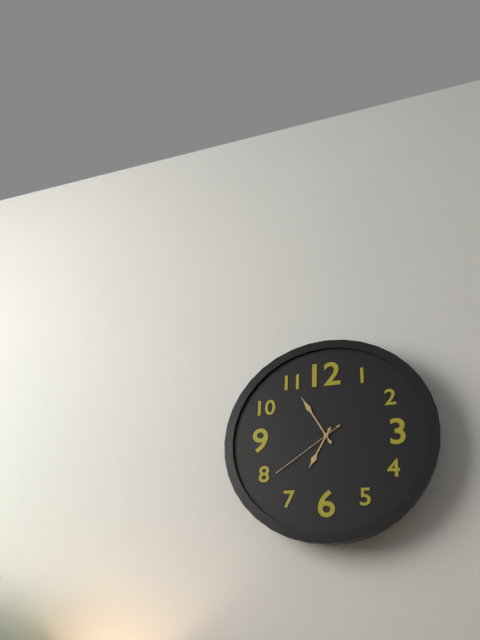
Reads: 6:55:39
